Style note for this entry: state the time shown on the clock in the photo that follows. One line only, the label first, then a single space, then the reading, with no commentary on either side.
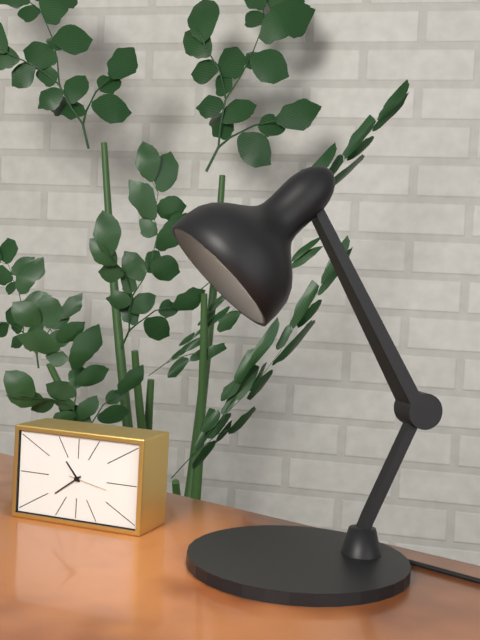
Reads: 10:39
